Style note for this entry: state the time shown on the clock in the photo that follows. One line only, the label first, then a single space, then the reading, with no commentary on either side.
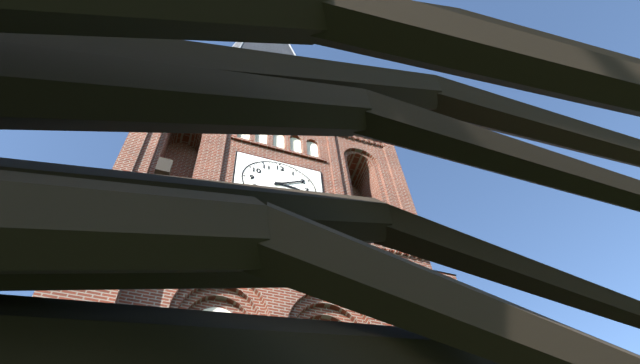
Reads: 3:10
